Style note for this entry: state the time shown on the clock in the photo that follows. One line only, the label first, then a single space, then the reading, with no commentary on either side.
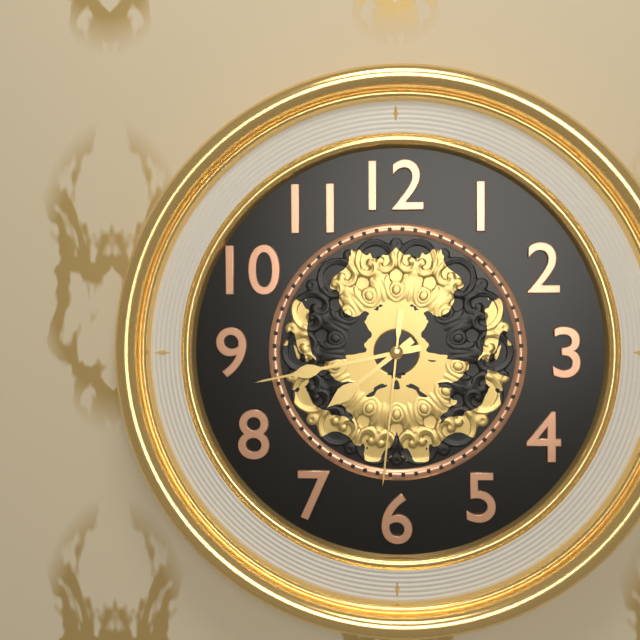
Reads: 7:43:31
